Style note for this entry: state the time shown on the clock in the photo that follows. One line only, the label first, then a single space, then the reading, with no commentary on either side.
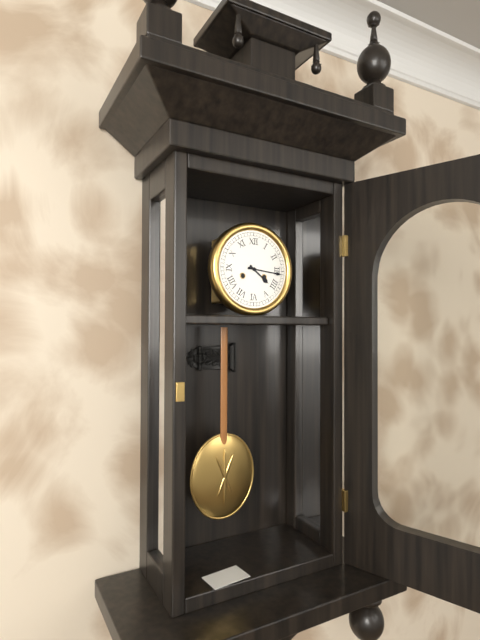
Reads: 4:16
